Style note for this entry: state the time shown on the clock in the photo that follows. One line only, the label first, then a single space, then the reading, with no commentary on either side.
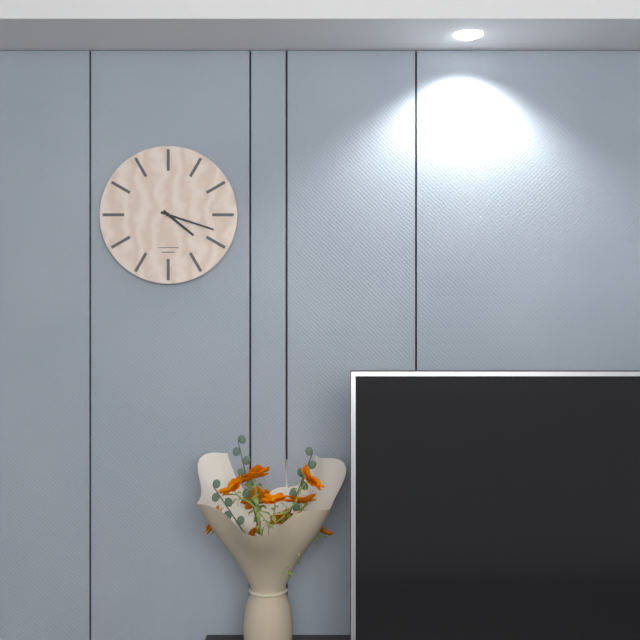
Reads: 4:18
